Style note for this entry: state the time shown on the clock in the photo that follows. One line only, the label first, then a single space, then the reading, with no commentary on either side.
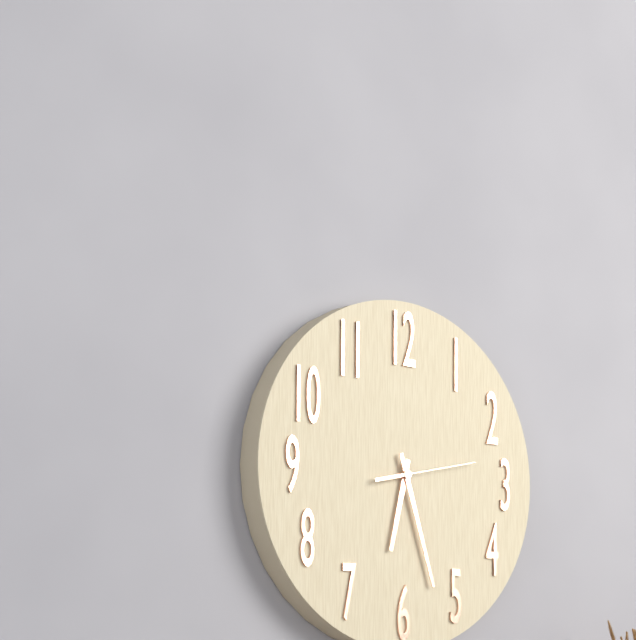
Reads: 6:27:13
